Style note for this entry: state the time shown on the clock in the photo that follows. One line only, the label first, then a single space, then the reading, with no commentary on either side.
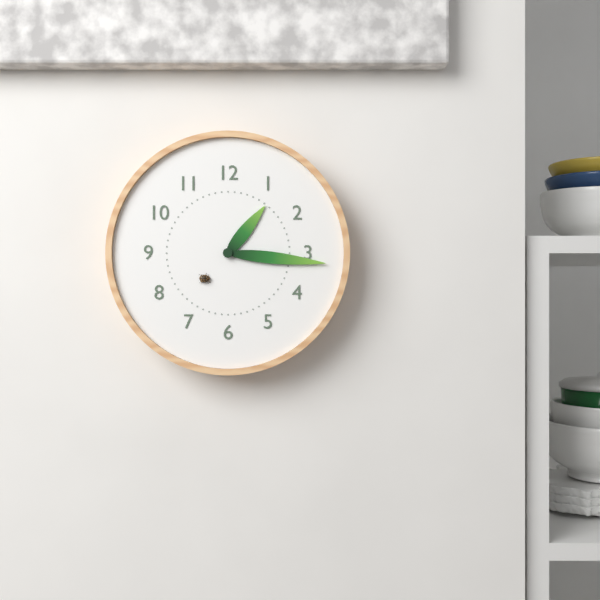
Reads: 1:16
